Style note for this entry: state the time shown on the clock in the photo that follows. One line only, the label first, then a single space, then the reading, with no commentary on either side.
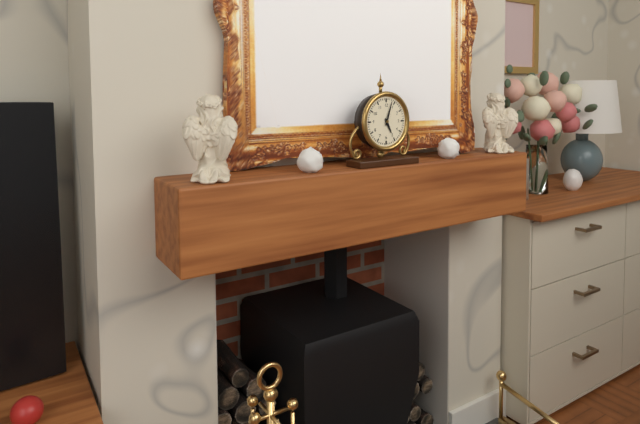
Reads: 5:03
